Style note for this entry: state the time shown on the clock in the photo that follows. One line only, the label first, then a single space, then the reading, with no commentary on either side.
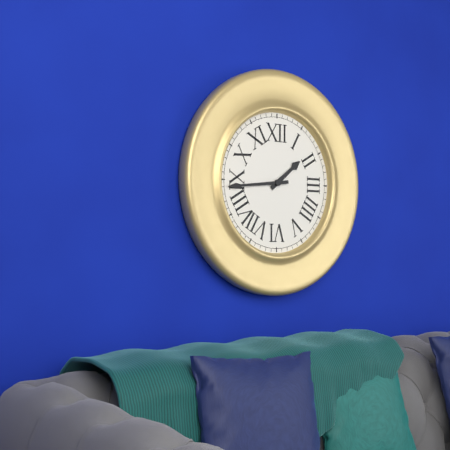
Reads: 1:44
